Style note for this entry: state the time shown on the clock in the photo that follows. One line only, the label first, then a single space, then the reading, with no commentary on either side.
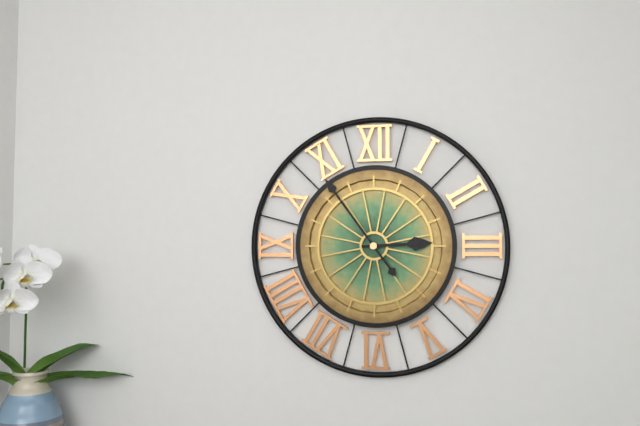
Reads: 2:54
